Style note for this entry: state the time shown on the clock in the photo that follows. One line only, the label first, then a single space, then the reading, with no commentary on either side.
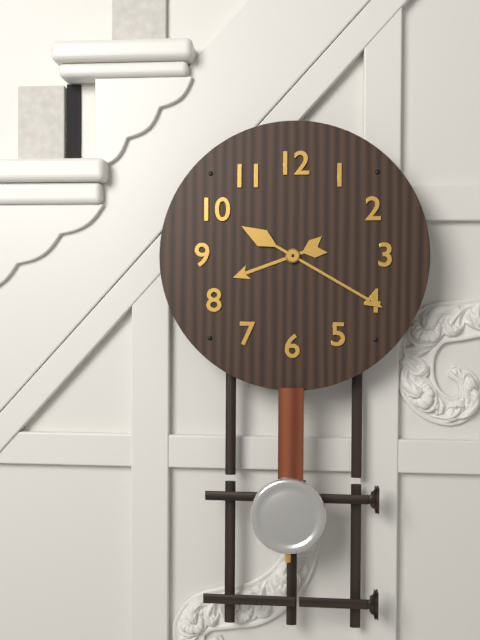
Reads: 8:20
